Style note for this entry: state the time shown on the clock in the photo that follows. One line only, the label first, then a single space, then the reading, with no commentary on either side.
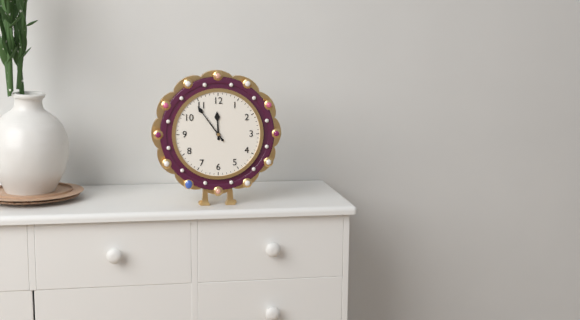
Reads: 11:54
